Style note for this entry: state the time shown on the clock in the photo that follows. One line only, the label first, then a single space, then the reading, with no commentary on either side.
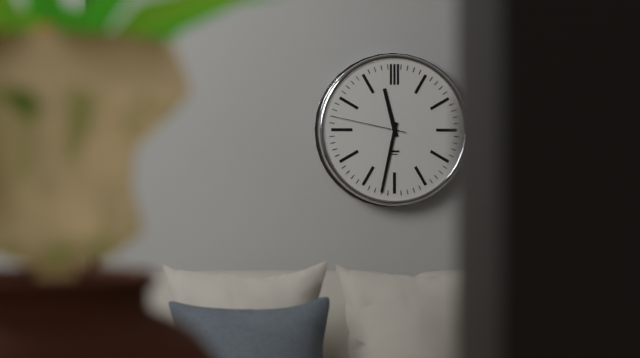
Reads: 11:32:47
